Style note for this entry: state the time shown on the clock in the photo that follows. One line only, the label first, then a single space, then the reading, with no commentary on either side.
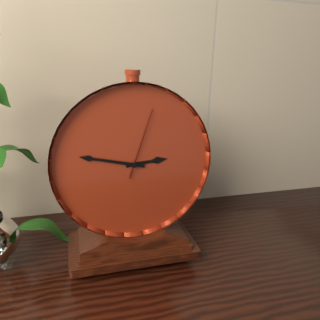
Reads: 2:47:03
